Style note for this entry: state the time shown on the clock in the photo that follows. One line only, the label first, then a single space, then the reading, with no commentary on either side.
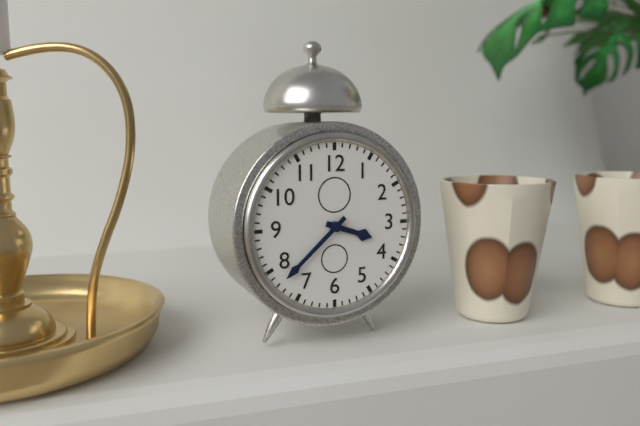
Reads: 3:38
